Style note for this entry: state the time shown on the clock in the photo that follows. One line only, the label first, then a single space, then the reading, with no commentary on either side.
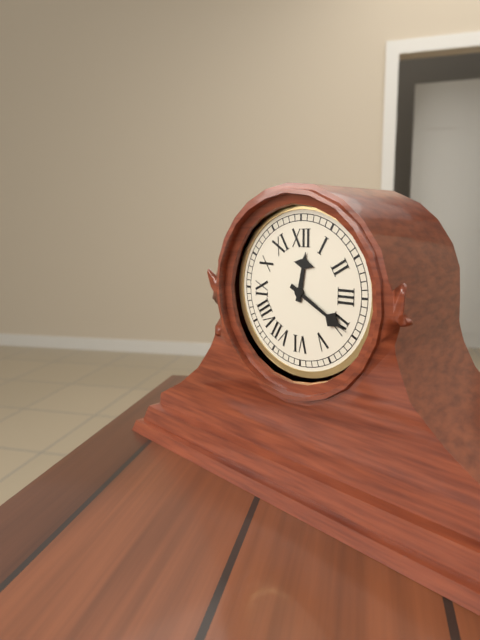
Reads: 12:20
